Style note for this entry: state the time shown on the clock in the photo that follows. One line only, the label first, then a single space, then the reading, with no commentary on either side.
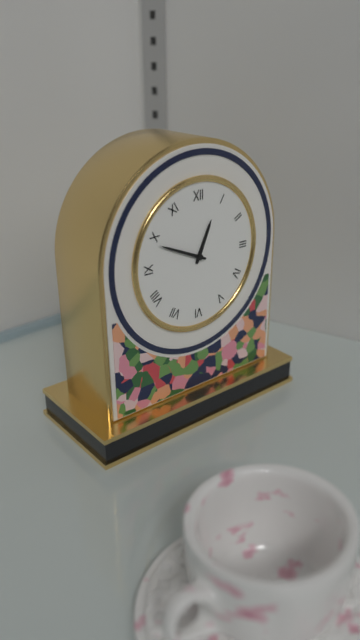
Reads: 12:49
